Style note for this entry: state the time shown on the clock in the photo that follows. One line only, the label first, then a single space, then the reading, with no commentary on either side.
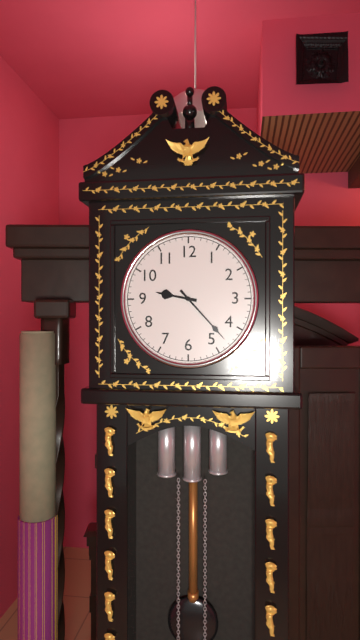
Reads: 9:23
